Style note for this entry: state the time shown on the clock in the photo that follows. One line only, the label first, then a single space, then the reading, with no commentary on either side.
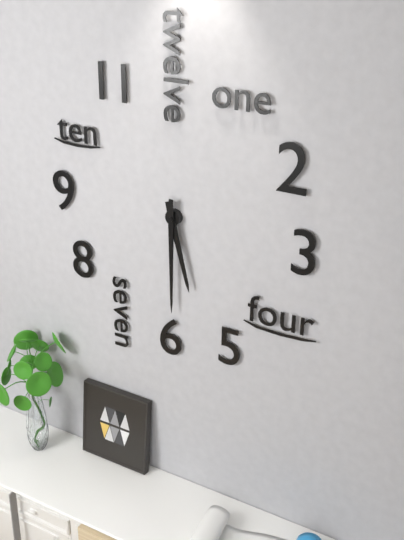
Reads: 5:30
